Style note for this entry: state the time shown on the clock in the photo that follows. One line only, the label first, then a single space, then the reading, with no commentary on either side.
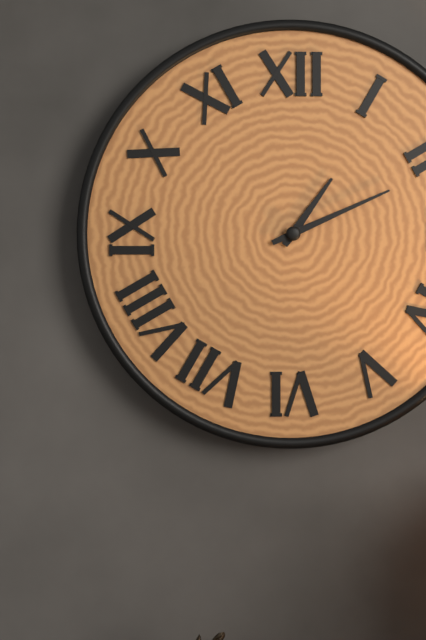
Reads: 1:11
